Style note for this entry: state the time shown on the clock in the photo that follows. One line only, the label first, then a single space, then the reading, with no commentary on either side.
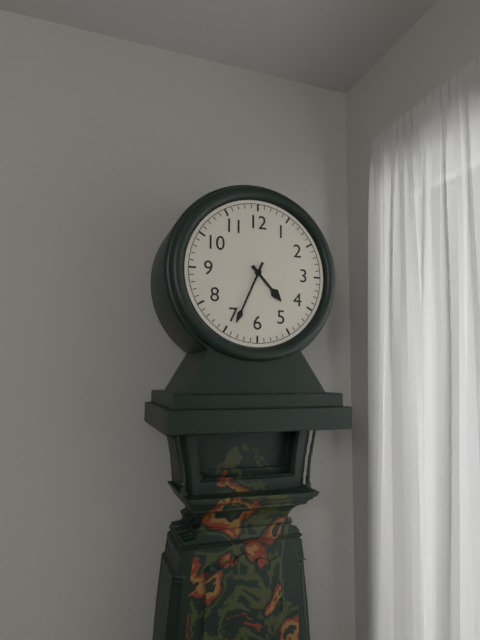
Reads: 4:34
